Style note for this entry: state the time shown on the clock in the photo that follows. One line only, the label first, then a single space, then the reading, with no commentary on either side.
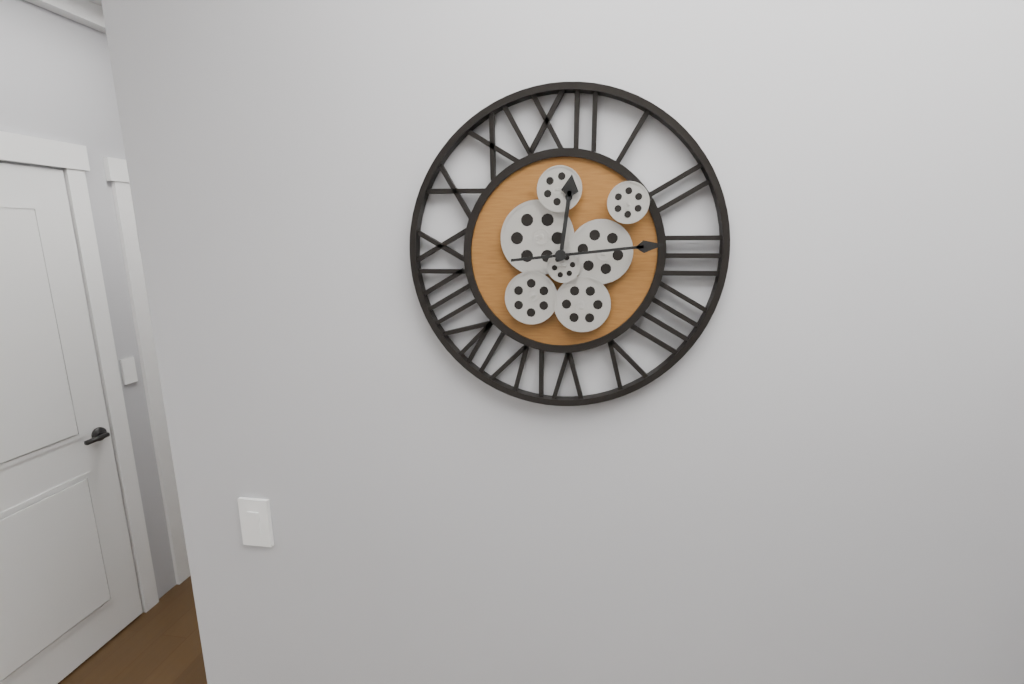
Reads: 12:14
